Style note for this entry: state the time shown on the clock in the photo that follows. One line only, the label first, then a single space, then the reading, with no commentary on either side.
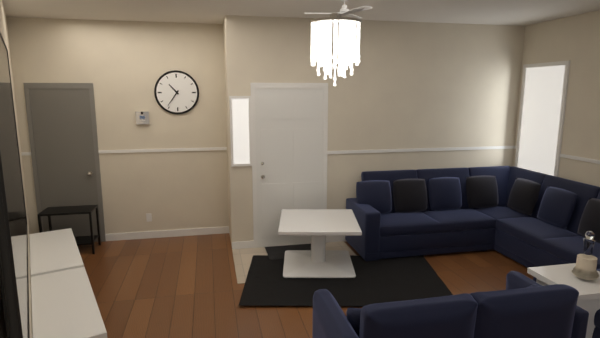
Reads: 10:36
